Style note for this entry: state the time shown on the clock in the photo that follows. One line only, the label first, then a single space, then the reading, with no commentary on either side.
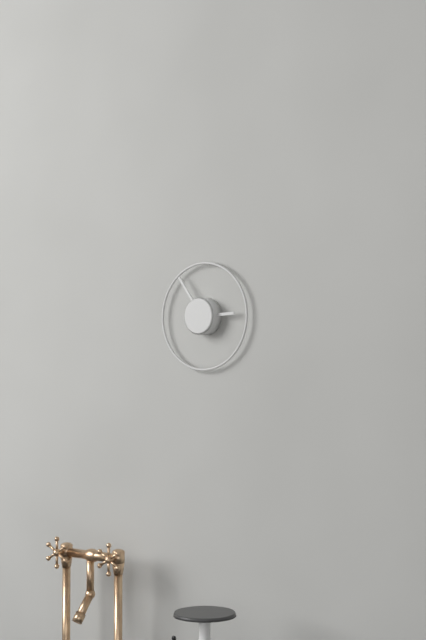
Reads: 2:54
